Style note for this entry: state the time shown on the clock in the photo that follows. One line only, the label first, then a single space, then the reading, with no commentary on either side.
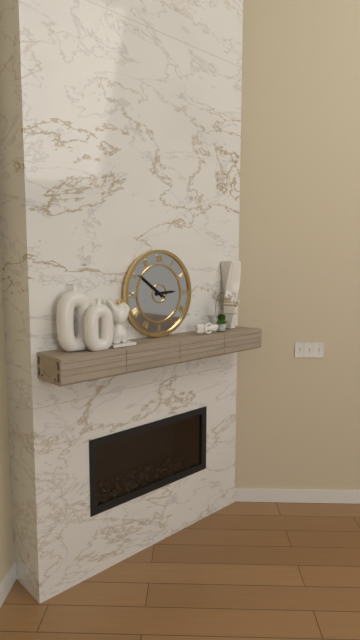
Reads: 2:51
